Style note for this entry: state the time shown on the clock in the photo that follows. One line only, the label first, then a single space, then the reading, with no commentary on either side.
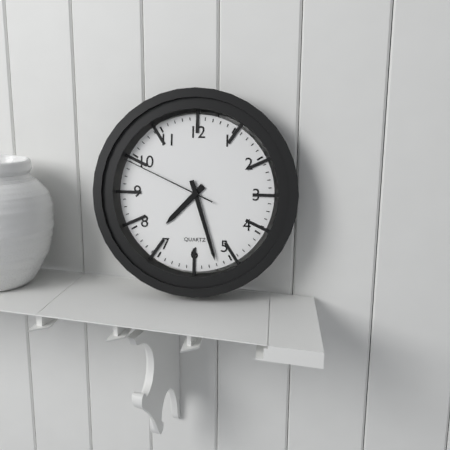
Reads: 7:27:49
